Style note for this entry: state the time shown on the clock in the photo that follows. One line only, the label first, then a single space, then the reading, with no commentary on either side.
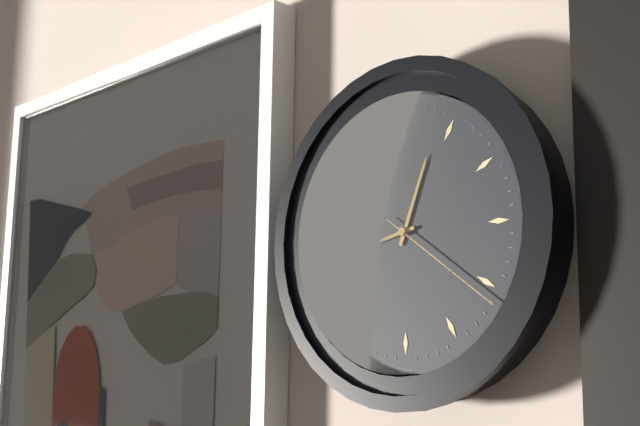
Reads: 12:43:21
